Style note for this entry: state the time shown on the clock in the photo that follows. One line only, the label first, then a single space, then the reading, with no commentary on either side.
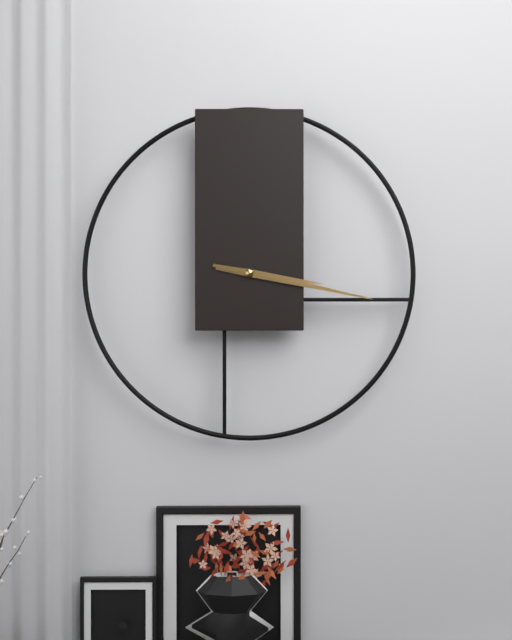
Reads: 3:17
